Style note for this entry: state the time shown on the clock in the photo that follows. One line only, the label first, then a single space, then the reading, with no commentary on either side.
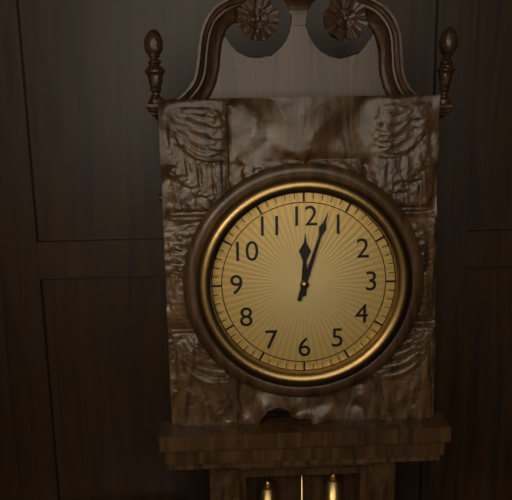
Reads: 12:03
